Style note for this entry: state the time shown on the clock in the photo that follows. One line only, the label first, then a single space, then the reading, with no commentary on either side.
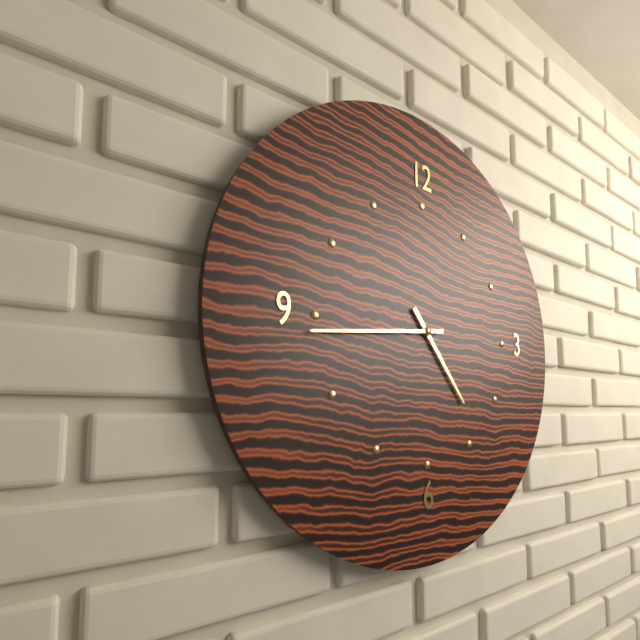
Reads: 4:44
